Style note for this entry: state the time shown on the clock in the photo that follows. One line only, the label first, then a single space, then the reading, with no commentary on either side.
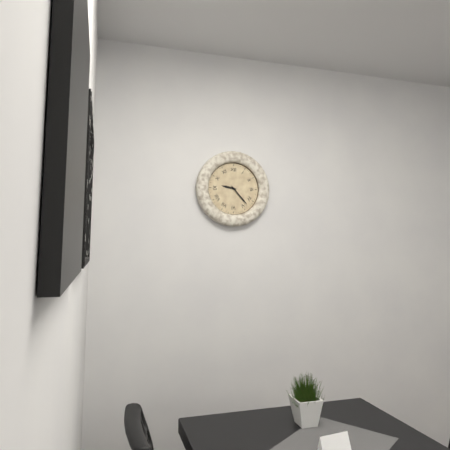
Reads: 9:23
